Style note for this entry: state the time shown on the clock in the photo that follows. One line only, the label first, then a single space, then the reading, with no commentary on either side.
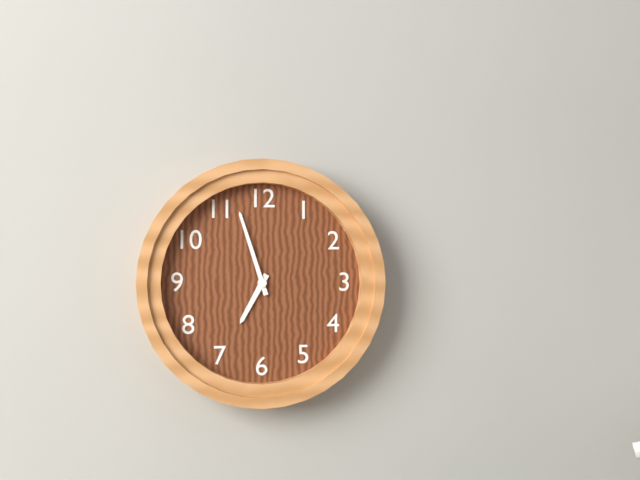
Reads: 6:57
